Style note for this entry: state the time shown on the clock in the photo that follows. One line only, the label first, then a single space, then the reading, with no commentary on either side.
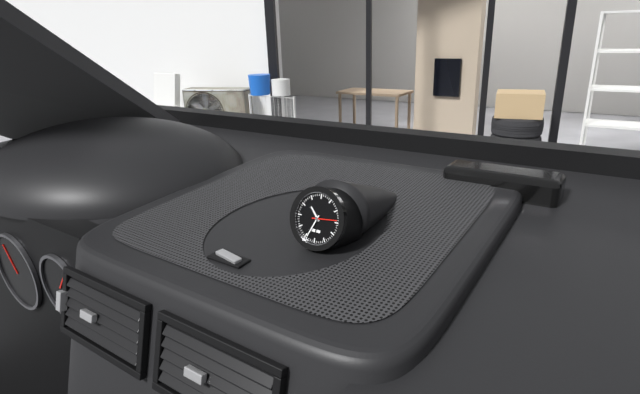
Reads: 10:34
